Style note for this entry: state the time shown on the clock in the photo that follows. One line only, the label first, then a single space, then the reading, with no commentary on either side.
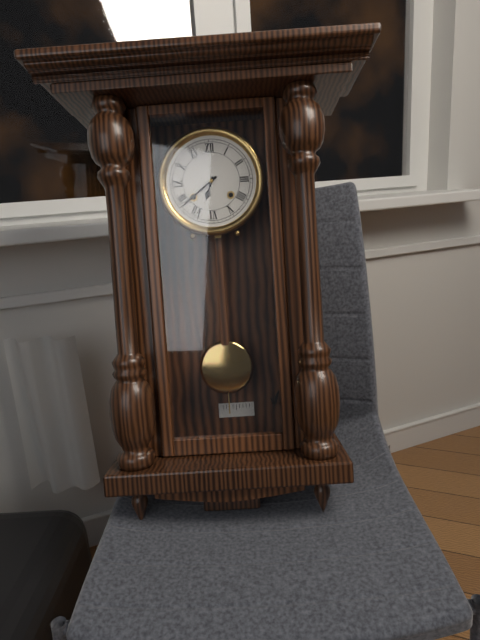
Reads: 6:39
